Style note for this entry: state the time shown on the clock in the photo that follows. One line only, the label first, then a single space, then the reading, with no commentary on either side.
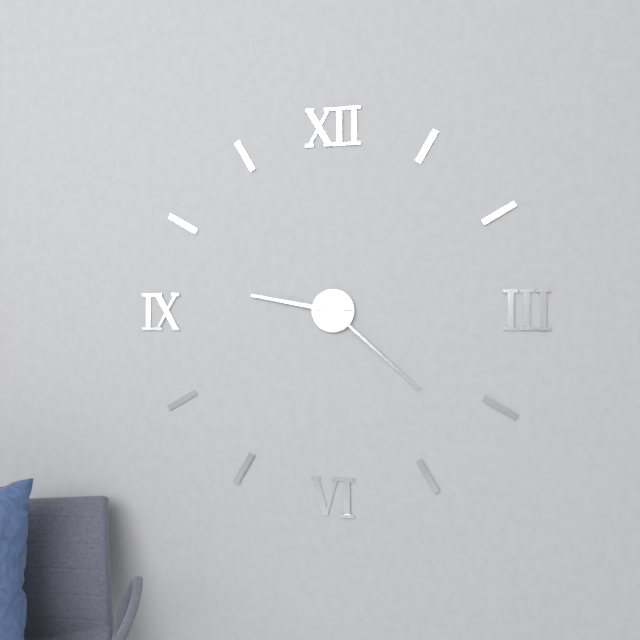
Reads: 9:22
